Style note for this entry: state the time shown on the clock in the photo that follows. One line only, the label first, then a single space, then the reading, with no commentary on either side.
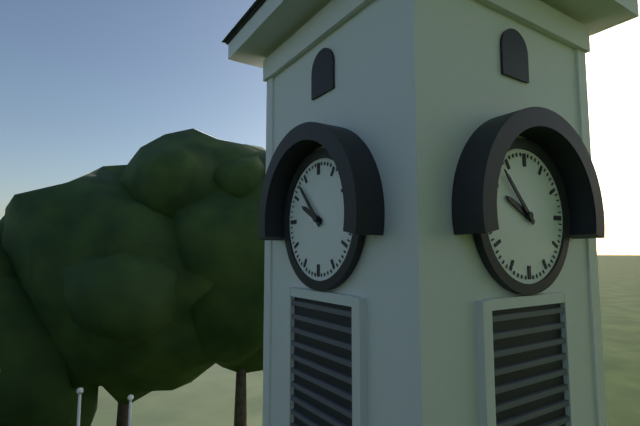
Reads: 9:53
